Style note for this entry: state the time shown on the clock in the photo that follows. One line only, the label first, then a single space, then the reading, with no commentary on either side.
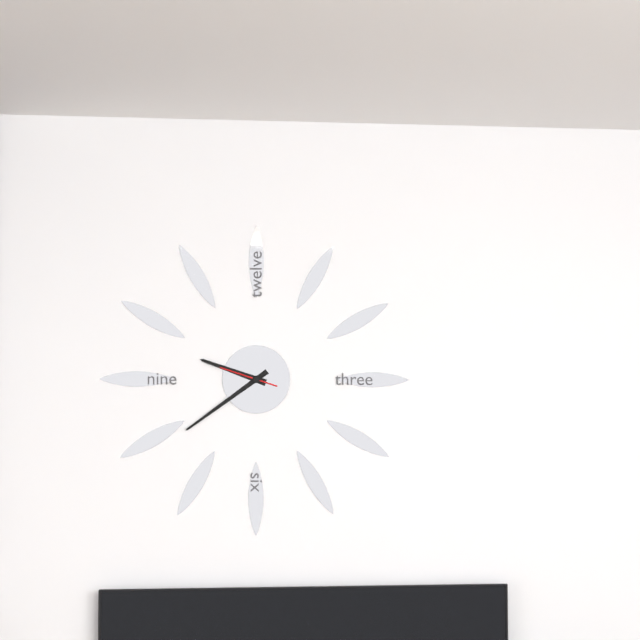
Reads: 9:39
